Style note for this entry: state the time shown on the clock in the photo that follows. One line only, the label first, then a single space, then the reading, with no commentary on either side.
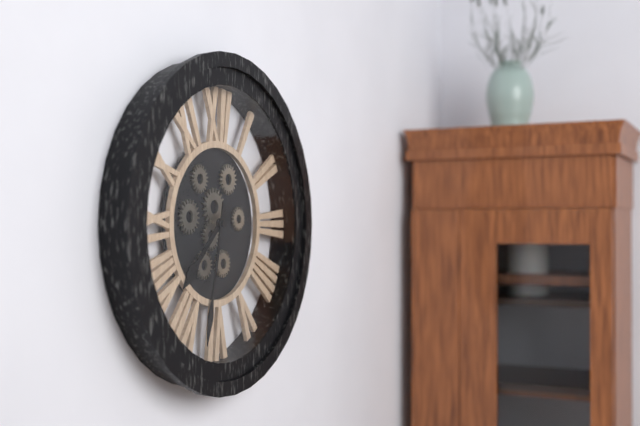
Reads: 7:32
